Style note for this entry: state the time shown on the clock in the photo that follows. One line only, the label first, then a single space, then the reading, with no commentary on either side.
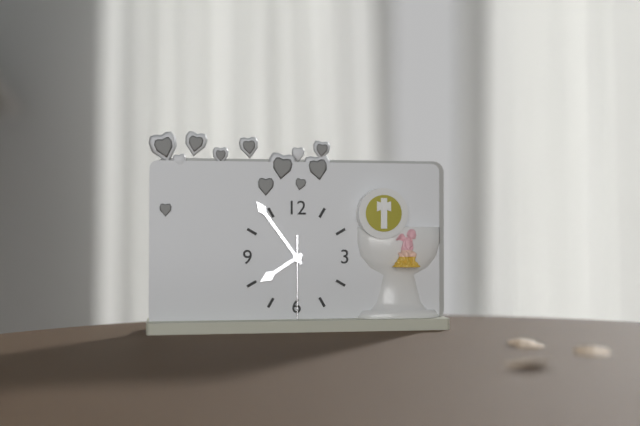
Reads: 7:54:30
